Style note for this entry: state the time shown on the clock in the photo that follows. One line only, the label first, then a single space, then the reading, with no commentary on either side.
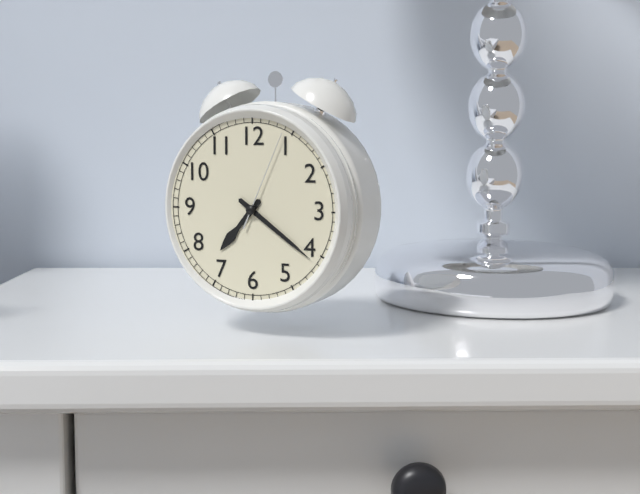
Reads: 7:21:04
